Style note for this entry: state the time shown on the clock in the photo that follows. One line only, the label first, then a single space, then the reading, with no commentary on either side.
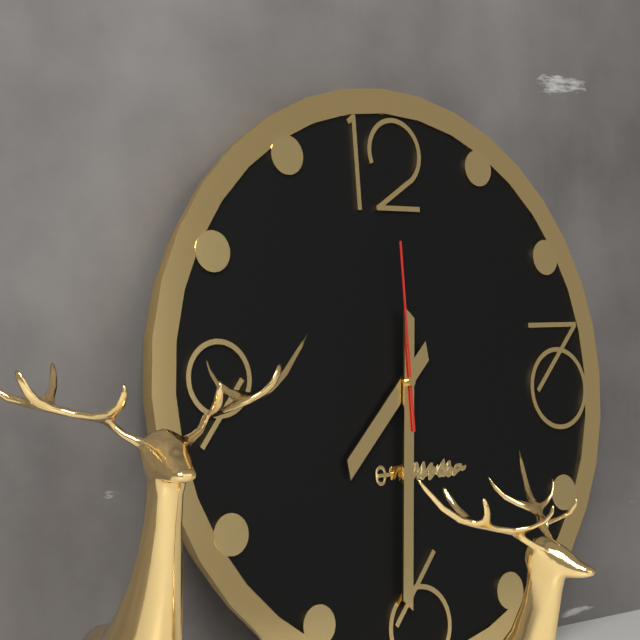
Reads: 7:31:00
